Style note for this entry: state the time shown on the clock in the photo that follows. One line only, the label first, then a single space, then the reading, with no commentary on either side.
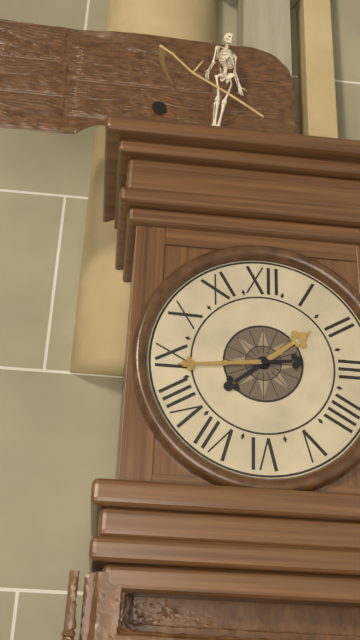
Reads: 1:44
